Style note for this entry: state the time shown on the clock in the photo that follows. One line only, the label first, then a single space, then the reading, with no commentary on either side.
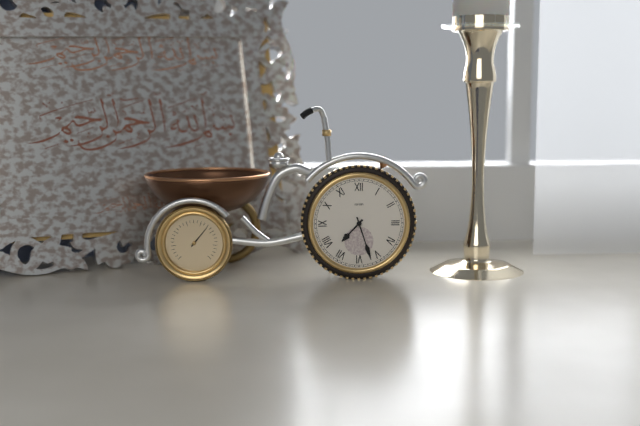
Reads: 7:27
